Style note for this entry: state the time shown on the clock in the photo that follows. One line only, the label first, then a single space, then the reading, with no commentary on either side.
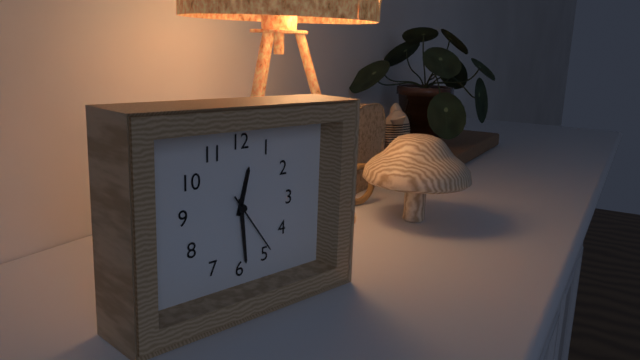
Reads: 12:29:24
